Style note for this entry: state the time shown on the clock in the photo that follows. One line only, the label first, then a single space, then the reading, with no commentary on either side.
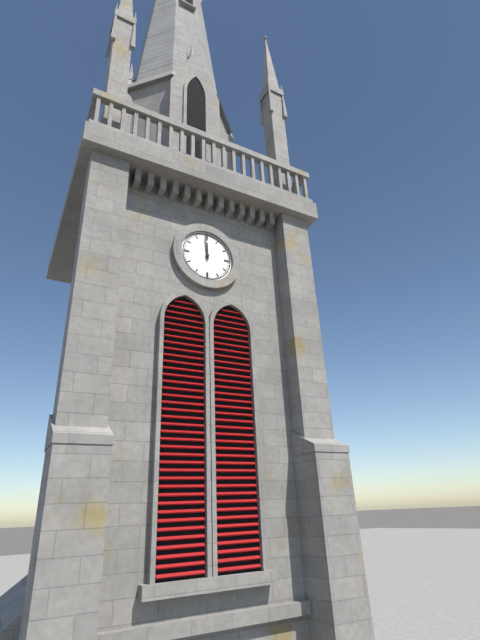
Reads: 11:59
